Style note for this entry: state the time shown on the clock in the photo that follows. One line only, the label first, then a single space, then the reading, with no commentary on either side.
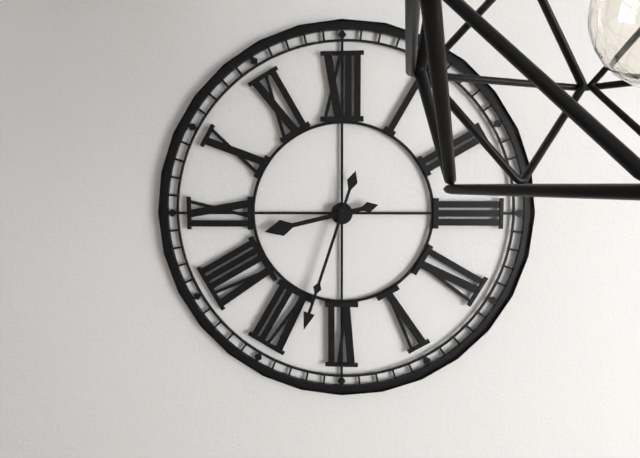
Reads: 8:33
